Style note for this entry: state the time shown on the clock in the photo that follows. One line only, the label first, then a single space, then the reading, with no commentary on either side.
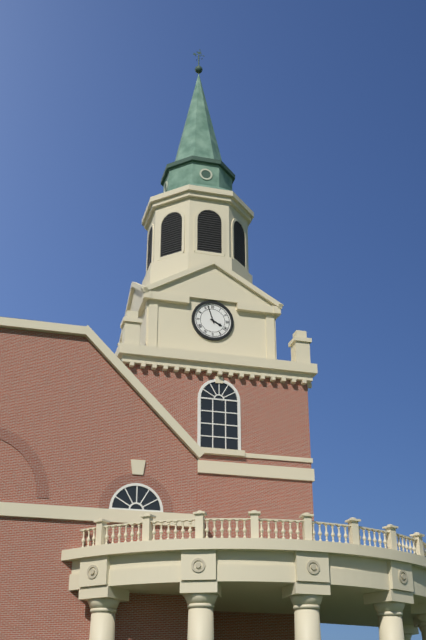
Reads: 3:57
